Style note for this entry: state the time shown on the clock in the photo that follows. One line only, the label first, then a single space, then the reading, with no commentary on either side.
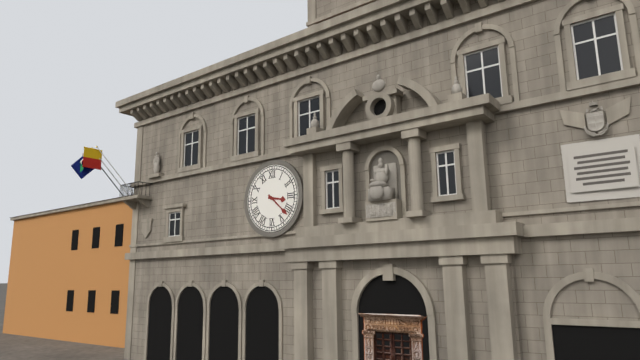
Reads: 3:22
